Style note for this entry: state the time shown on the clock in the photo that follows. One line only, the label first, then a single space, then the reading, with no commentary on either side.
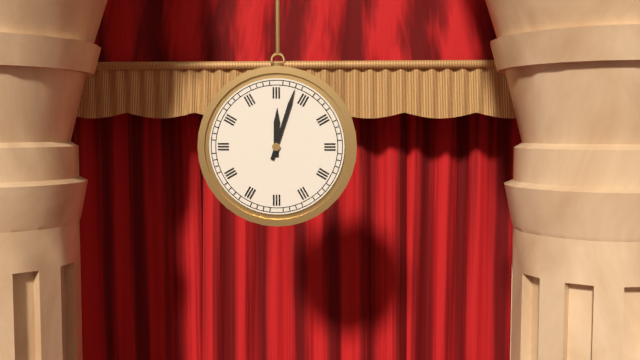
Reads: 12:03
